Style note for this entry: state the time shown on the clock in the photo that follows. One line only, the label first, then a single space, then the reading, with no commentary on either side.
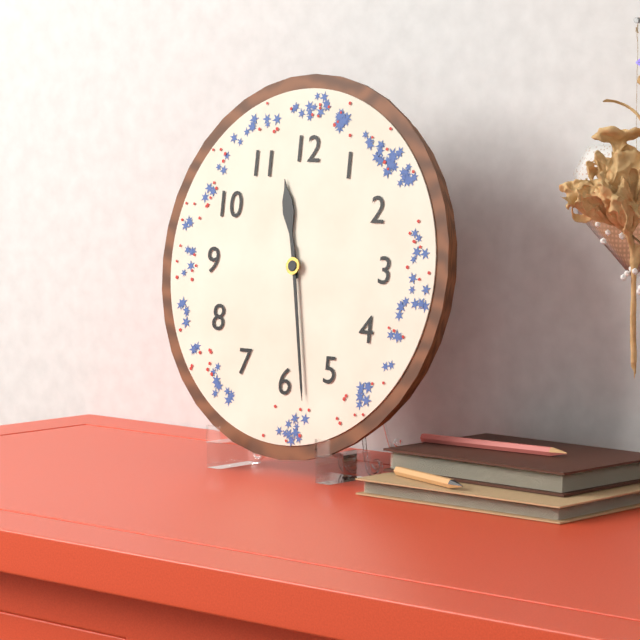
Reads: 11:28
